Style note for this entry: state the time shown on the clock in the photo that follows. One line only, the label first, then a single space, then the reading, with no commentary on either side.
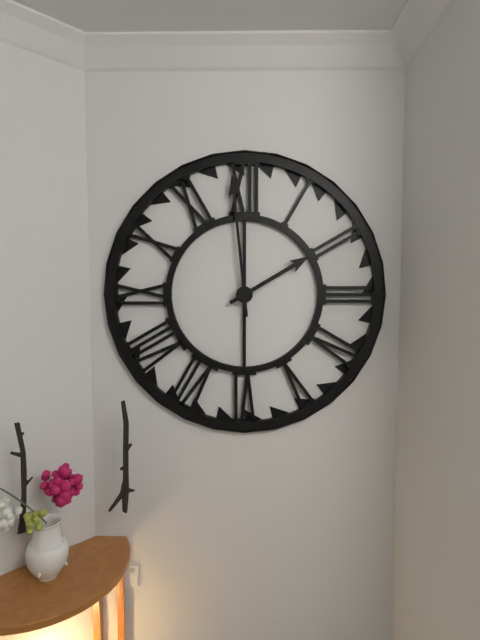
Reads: 1:59
